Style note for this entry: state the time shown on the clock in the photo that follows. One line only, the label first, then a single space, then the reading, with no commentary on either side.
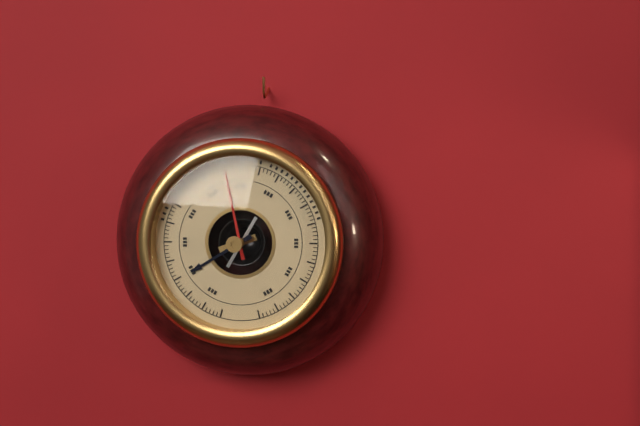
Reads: 7:58
